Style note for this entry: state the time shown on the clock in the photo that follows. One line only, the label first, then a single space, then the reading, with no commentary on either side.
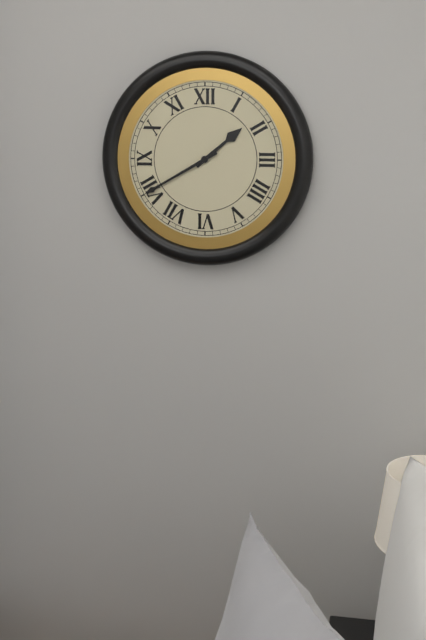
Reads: 1:40
